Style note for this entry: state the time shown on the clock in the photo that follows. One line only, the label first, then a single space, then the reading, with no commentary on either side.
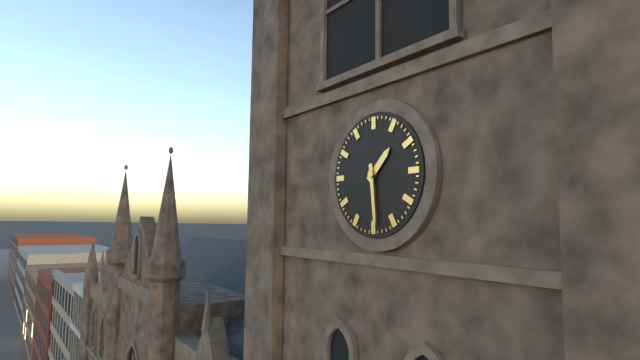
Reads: 1:29
